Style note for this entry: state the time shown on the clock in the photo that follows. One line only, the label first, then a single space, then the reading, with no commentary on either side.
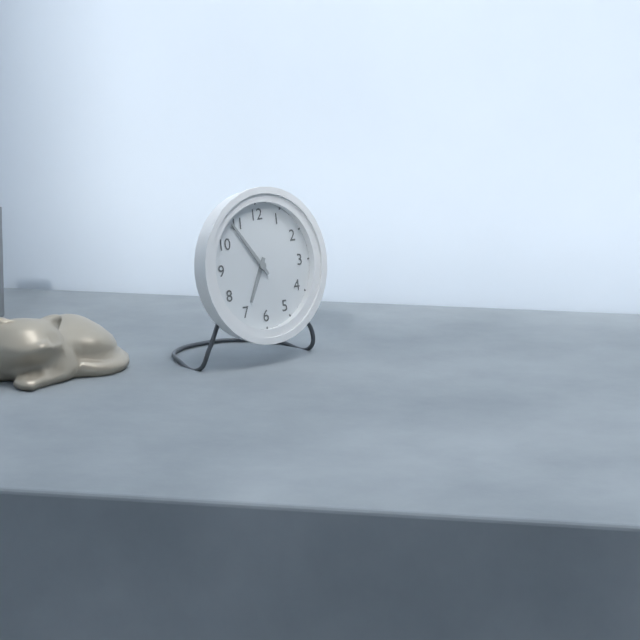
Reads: 6:54
